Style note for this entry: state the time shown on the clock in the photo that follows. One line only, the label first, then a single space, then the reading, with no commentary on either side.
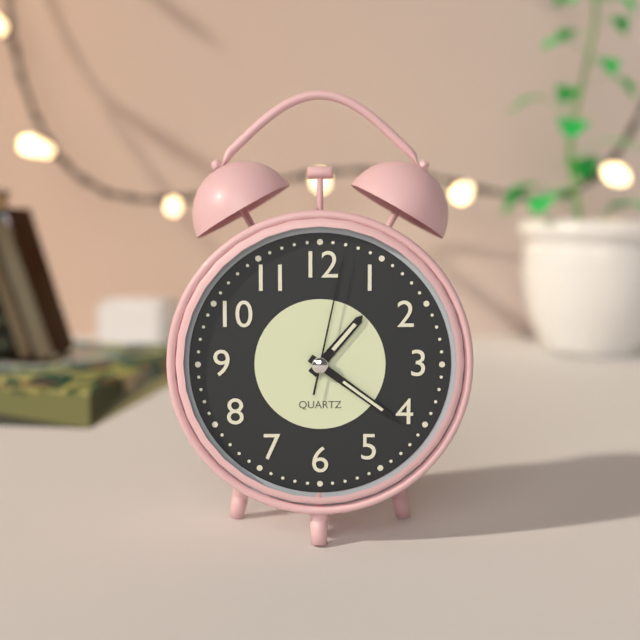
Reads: 1:21:02
